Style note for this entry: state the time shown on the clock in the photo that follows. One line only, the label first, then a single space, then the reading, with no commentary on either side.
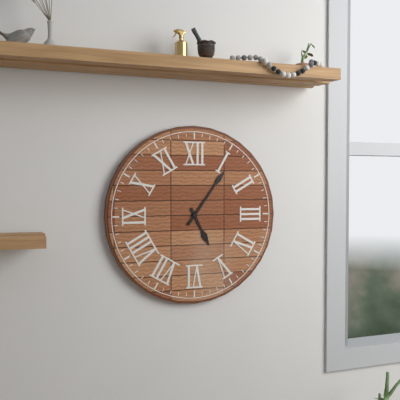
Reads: 5:06
